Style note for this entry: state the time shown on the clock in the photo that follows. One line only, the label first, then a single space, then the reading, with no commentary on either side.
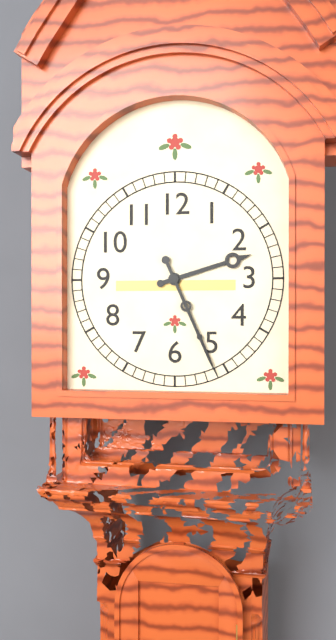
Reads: 2:26
